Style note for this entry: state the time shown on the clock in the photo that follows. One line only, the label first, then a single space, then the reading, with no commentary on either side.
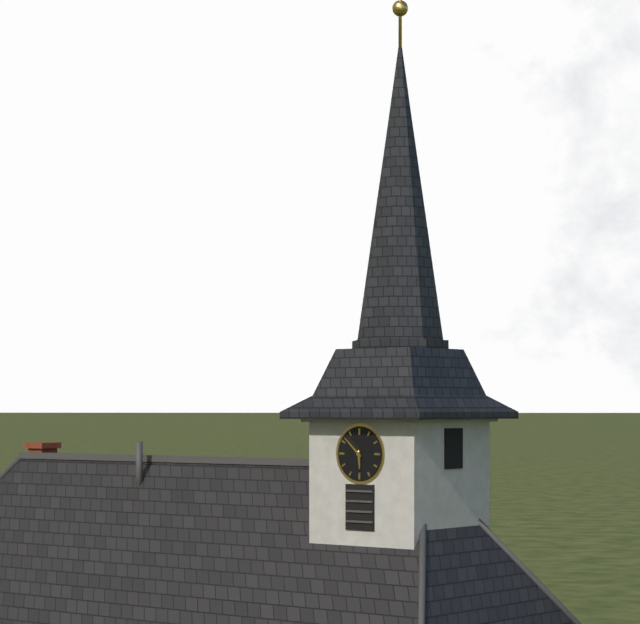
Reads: 5:52
